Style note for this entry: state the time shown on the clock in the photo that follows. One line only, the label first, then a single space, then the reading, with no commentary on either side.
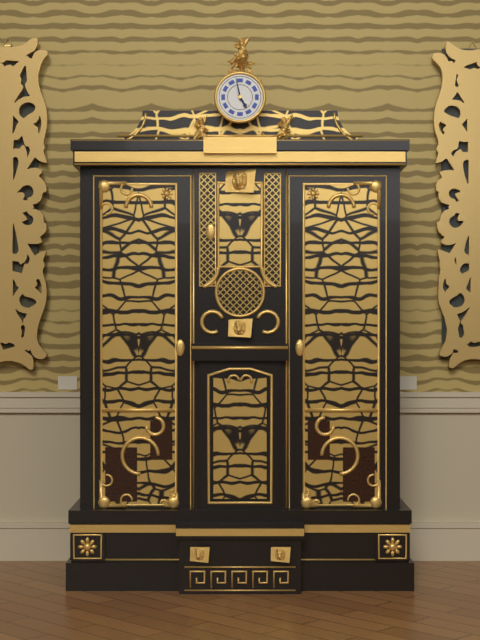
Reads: 4:58
